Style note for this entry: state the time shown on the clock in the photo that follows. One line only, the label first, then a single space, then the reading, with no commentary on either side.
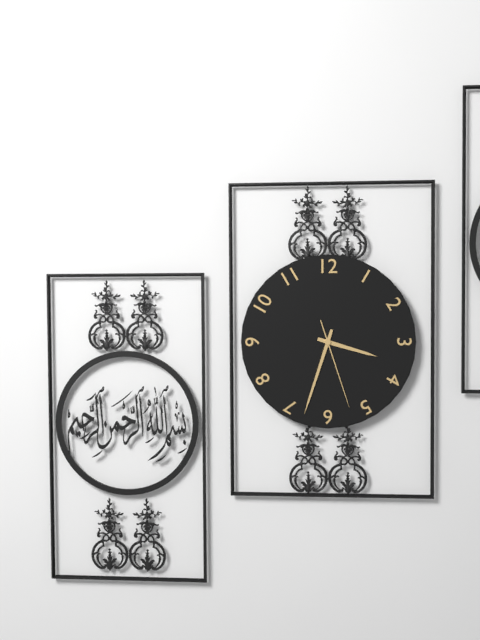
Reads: 3:33:27
